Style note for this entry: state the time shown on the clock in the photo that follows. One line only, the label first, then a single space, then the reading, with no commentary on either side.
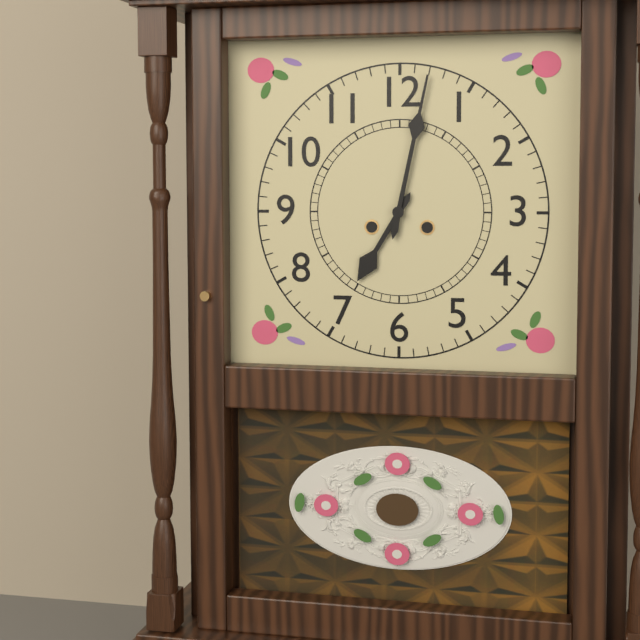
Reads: 7:02
